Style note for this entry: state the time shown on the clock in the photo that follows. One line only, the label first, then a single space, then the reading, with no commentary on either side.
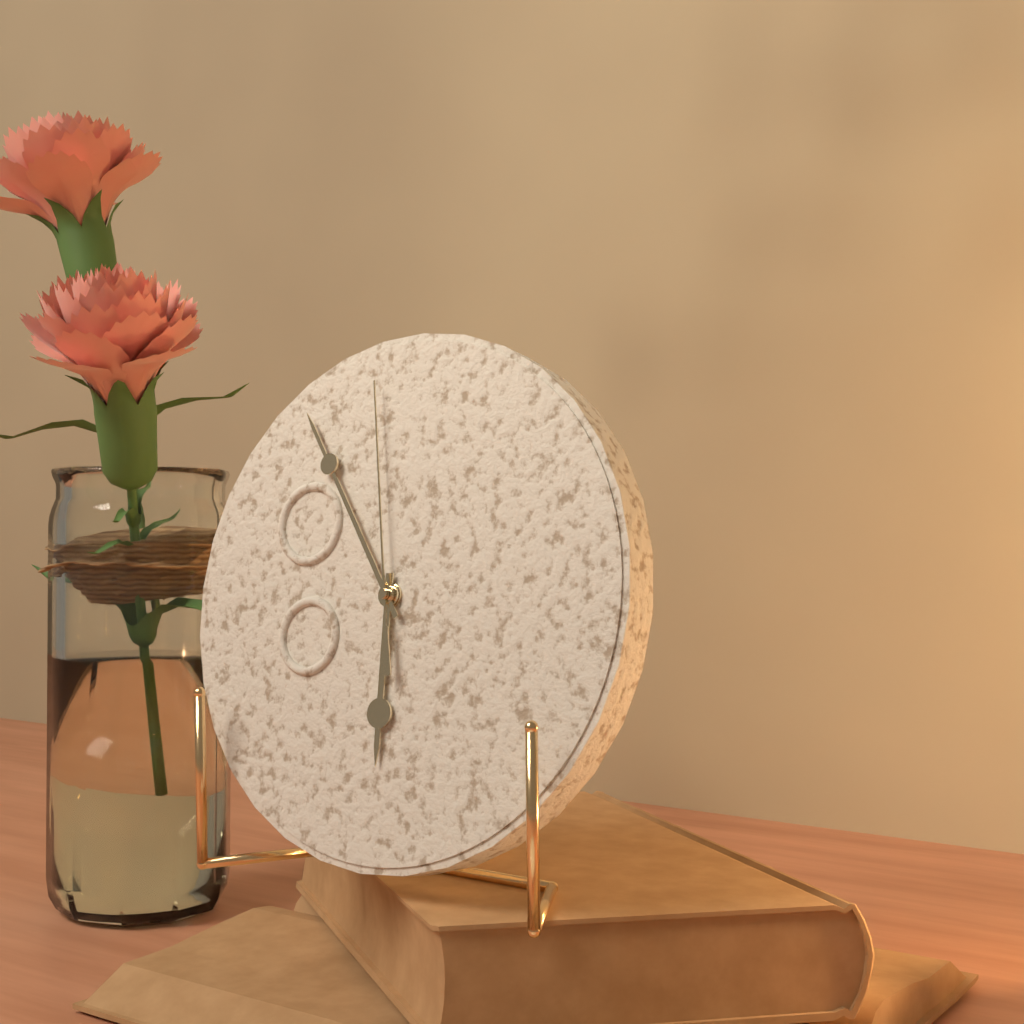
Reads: 5:54:58
